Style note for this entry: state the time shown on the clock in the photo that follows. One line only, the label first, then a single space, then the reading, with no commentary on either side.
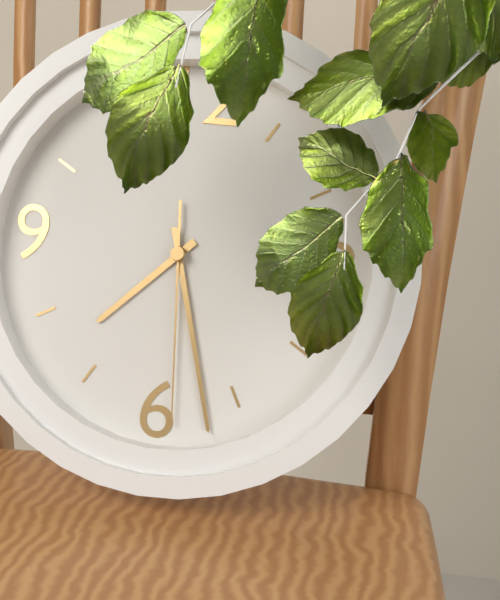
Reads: 7:27:29
